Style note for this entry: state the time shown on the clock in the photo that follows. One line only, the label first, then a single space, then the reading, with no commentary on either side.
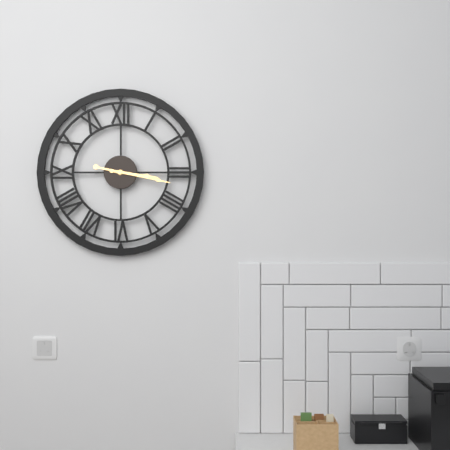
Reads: 3:17
